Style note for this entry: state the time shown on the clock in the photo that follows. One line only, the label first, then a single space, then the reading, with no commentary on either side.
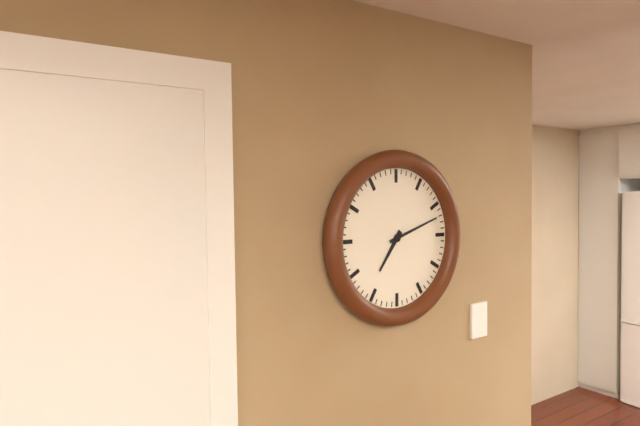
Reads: 7:12
